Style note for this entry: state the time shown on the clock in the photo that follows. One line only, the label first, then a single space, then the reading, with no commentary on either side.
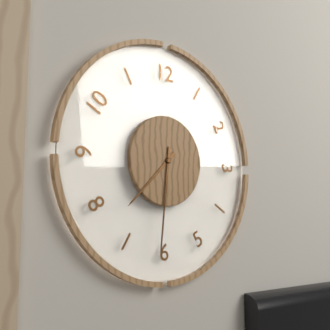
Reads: 7:31
